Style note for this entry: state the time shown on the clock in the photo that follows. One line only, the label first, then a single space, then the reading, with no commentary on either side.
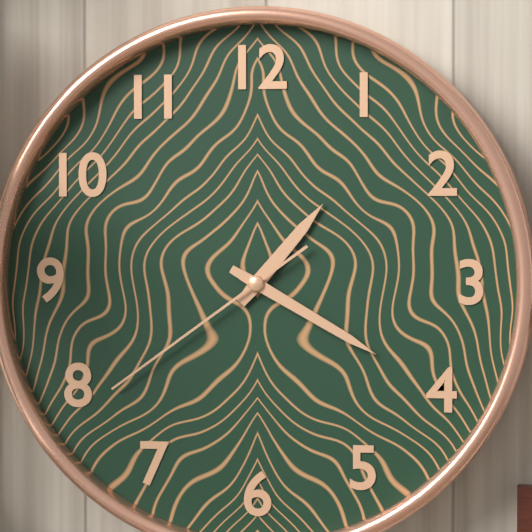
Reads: 1:20:39
